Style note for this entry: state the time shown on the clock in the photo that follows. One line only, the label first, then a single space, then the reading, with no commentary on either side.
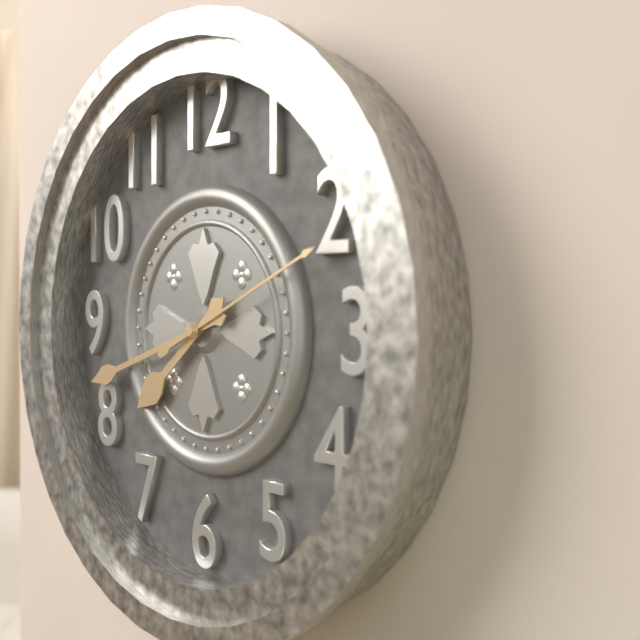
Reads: 7:42:11
